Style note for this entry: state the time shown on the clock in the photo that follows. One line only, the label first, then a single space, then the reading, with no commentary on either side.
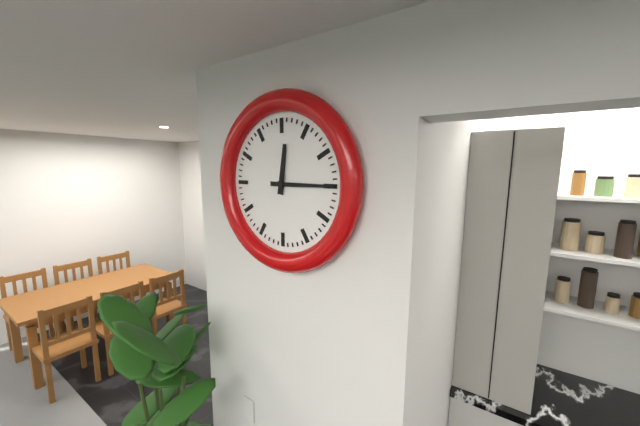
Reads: 12:15
